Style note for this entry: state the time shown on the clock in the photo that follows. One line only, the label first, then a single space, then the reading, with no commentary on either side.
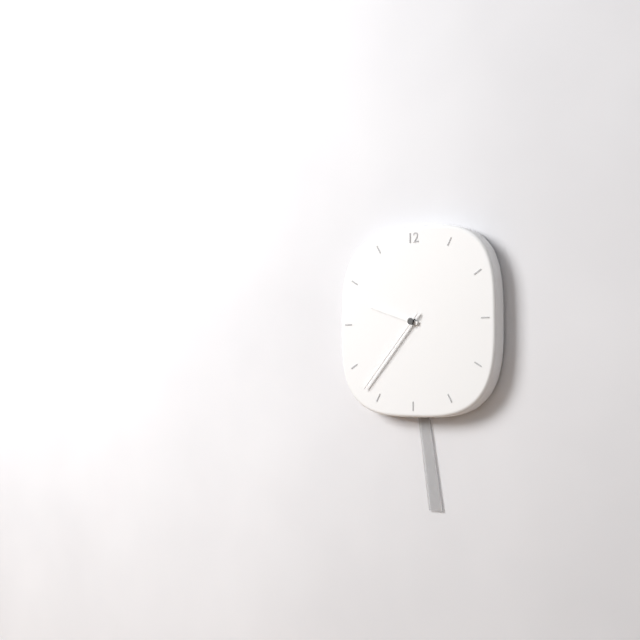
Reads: 9:37
